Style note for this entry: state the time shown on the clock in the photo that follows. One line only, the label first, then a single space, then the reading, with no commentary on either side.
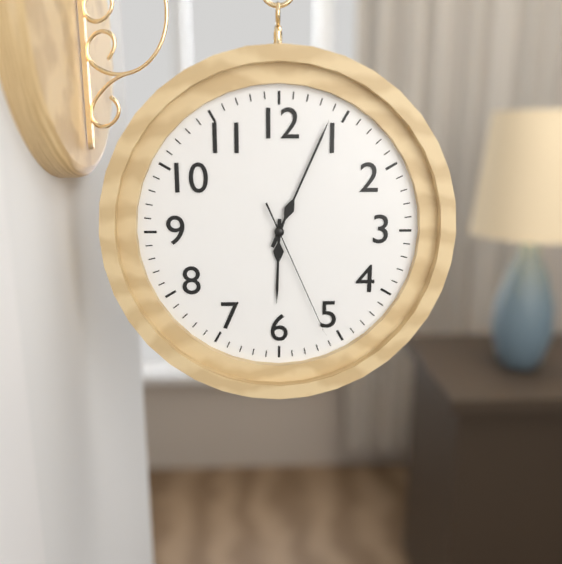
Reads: 6:04:26
